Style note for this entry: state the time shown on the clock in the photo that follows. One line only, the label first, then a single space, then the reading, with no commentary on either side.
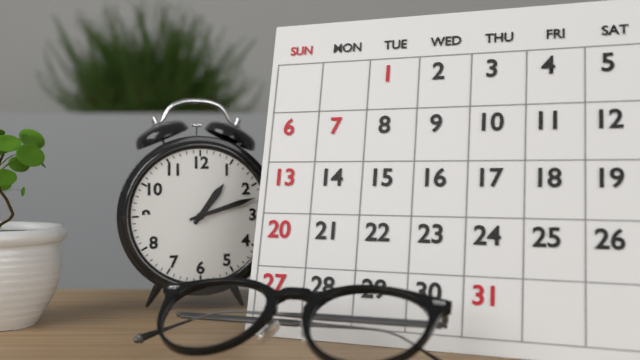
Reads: 1:12
